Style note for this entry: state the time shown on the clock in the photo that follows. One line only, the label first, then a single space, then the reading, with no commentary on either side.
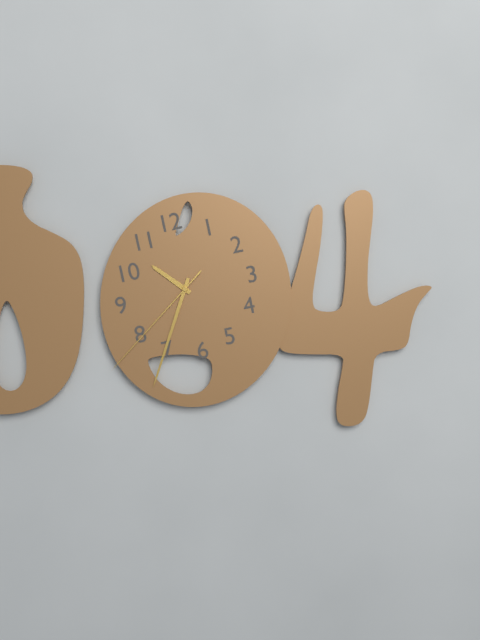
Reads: 10:35:39
